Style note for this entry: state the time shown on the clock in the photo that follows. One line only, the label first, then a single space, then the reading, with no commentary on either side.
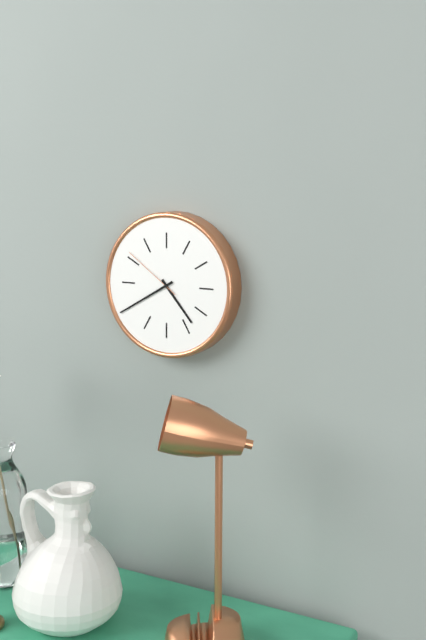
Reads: 4:40:51
